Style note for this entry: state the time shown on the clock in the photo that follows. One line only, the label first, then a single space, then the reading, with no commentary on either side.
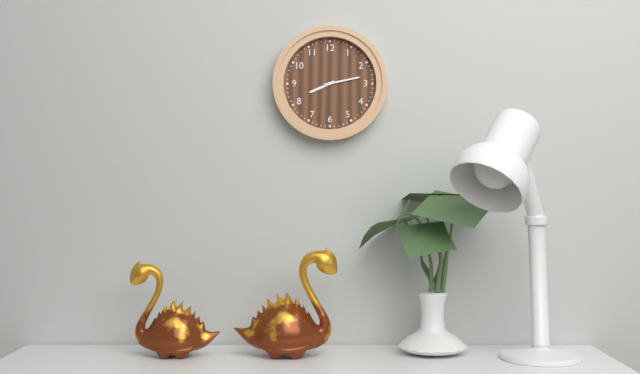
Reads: 8:13
